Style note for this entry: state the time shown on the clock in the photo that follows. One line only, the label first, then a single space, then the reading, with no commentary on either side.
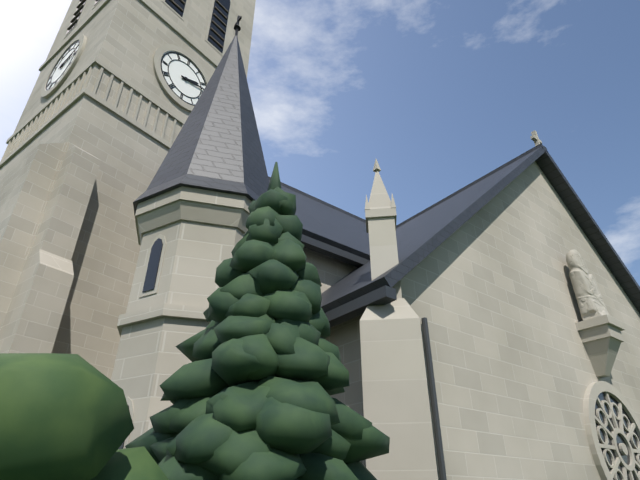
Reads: 2:13
